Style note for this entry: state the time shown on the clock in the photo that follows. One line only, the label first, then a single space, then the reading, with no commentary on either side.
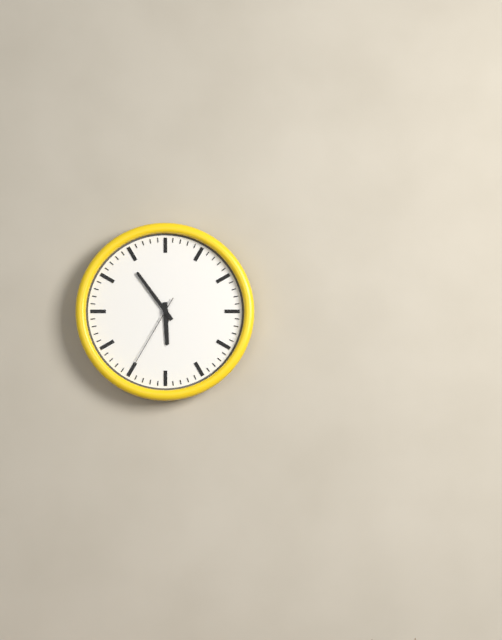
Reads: 5:54:35
